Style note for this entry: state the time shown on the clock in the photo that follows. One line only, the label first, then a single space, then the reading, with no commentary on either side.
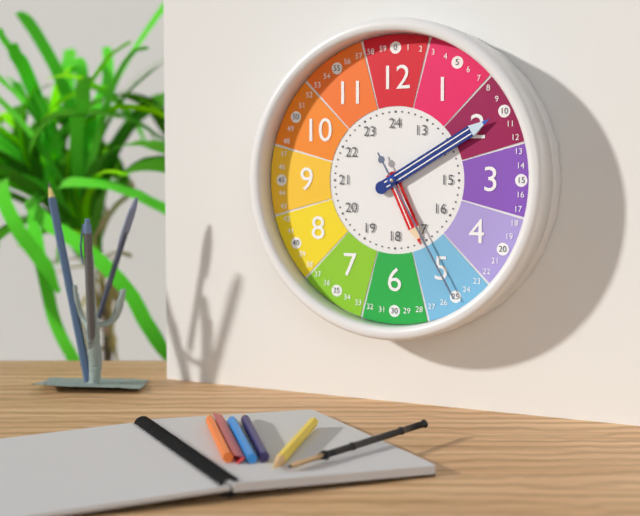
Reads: 5:10:25
